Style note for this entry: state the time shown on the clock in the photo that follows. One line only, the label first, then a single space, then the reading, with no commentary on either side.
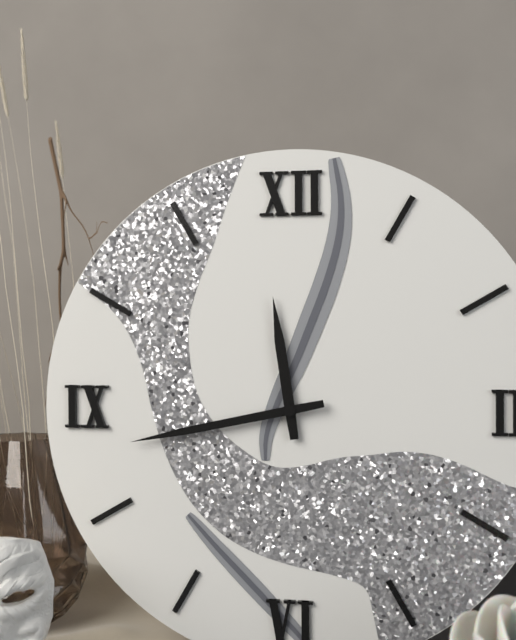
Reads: 11:43
